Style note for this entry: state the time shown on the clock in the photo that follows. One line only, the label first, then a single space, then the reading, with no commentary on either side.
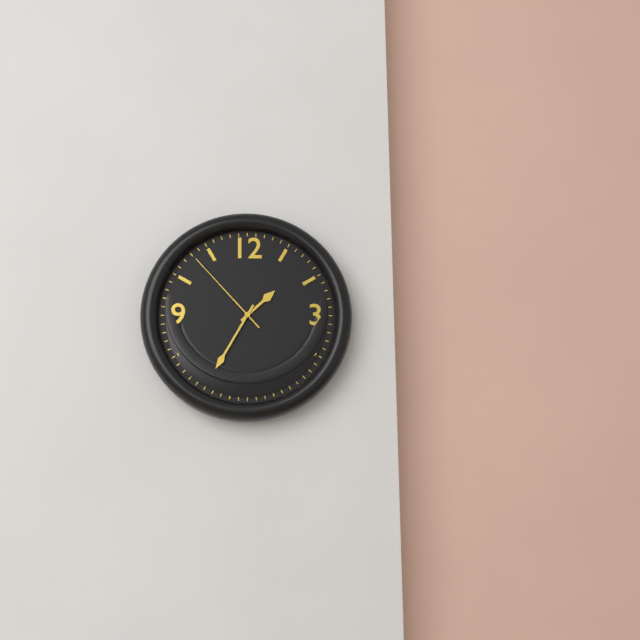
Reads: 1:35:53
